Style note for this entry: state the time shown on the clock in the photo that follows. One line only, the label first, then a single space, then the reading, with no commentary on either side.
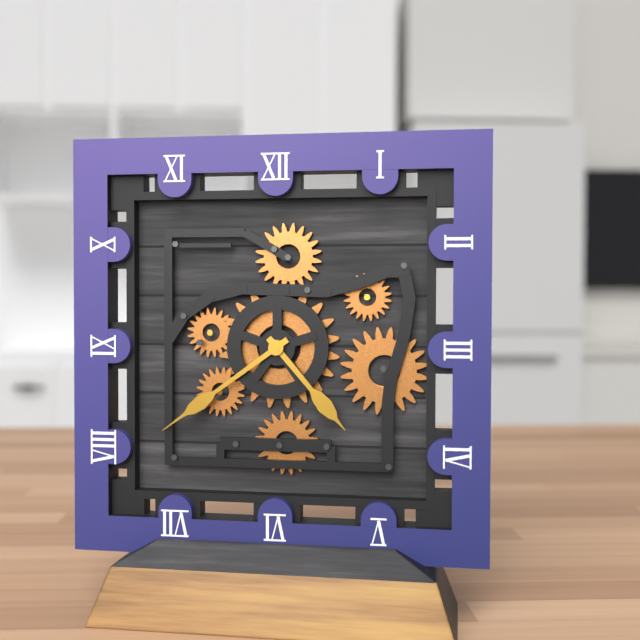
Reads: 4:39
